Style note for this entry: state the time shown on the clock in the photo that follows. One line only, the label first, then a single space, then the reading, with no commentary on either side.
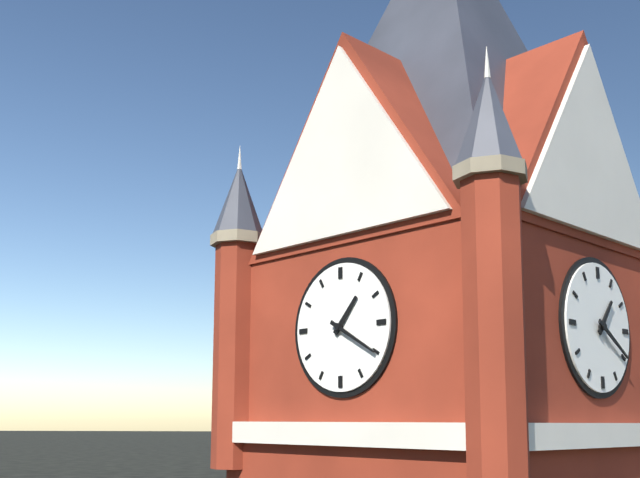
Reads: 1:20
